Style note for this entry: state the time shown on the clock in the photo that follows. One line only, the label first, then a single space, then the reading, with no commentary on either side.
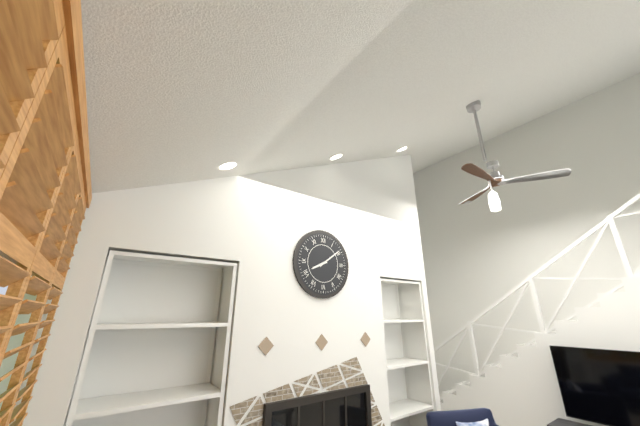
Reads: 8:09
